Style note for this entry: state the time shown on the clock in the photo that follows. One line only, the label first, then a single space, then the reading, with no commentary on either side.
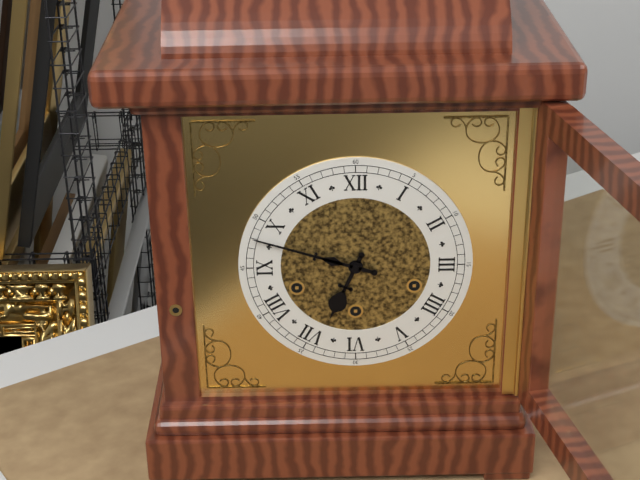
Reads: 6:48
